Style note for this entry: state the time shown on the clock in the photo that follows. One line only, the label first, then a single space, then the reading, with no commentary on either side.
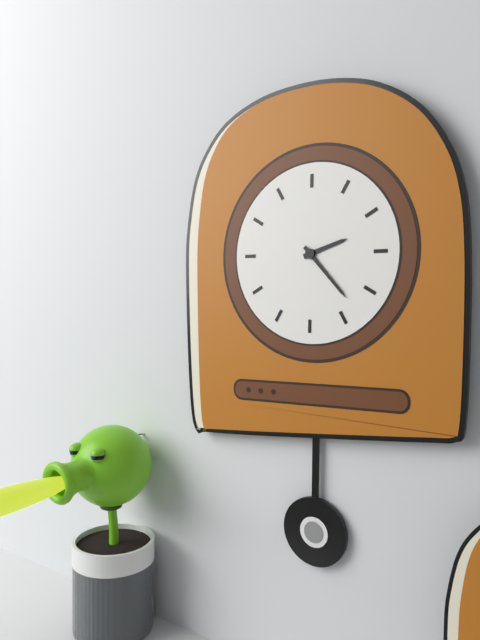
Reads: 2:23
